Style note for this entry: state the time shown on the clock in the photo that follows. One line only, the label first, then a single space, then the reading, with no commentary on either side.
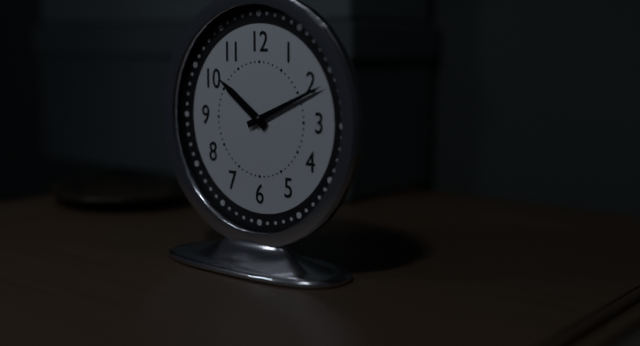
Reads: 10:11
